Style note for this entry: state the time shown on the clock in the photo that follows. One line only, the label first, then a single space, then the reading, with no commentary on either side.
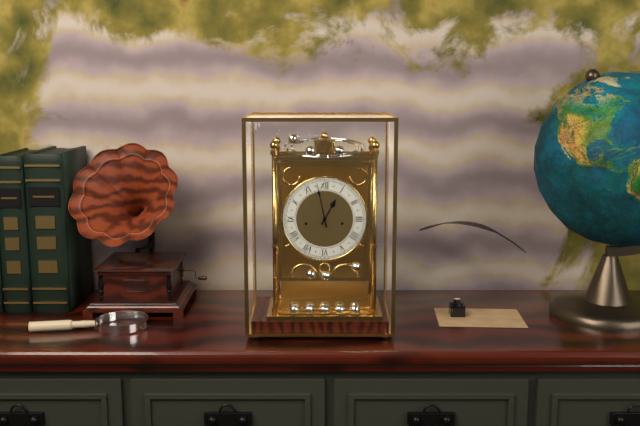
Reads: 12:58
